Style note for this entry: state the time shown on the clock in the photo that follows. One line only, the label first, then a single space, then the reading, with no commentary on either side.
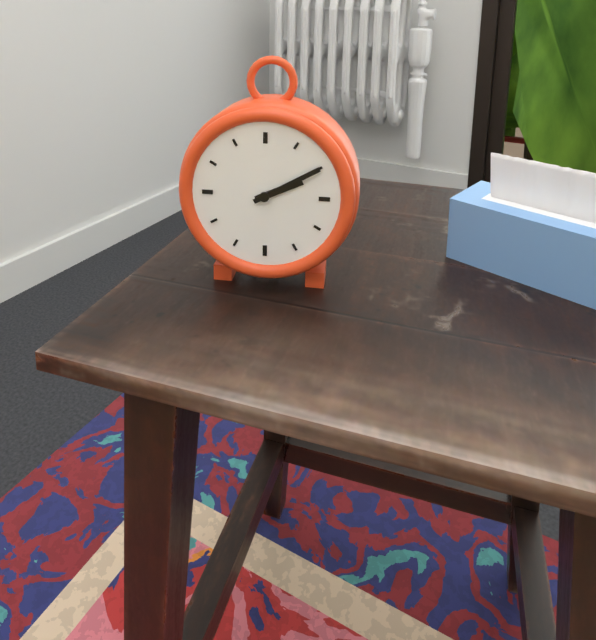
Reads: 2:10
